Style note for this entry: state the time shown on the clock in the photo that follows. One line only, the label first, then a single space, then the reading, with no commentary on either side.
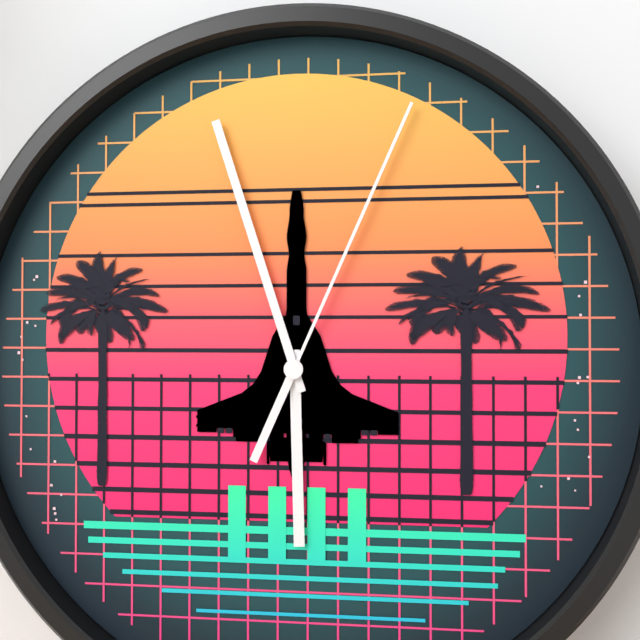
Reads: 5:57:04
